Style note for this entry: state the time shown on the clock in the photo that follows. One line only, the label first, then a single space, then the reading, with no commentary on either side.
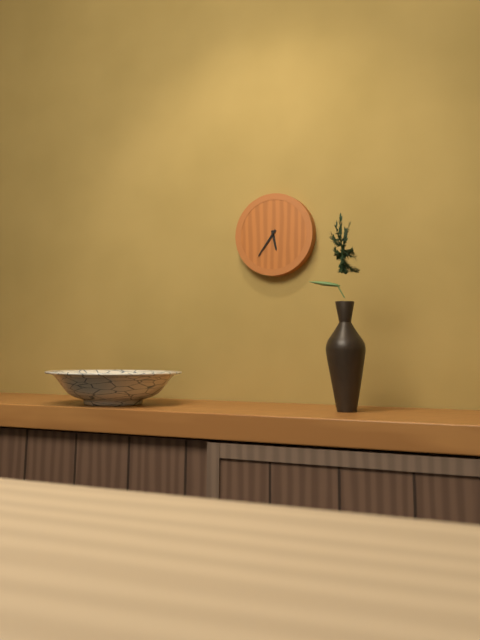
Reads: 5:36
